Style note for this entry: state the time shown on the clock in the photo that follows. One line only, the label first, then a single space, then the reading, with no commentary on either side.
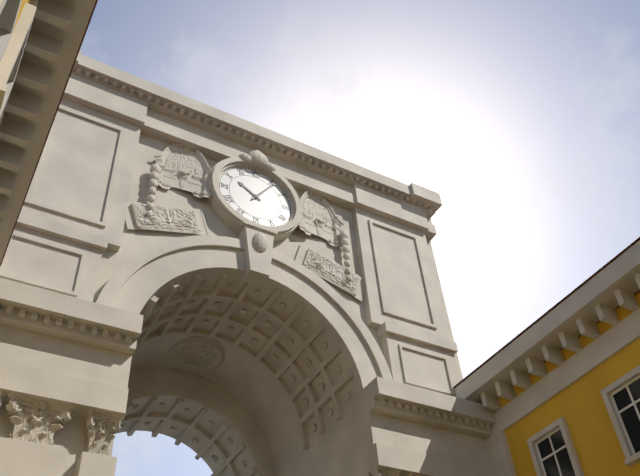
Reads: 10:06
